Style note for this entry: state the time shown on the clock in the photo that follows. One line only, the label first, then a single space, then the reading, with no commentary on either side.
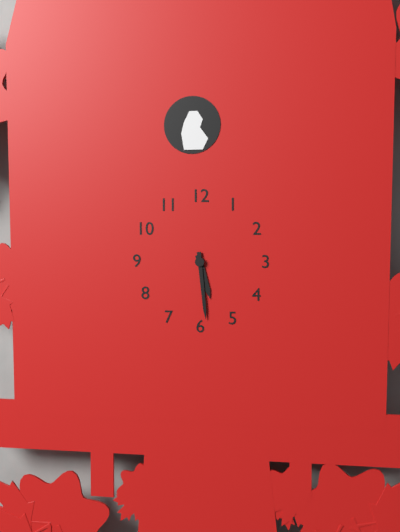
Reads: 5:29
